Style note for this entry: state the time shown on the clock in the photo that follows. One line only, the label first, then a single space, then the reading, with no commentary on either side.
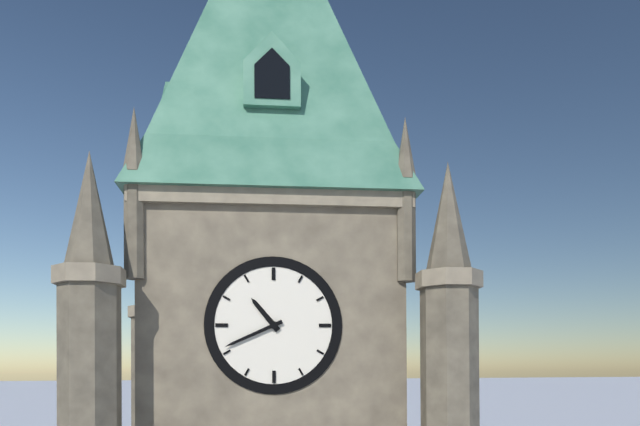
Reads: 10:41
